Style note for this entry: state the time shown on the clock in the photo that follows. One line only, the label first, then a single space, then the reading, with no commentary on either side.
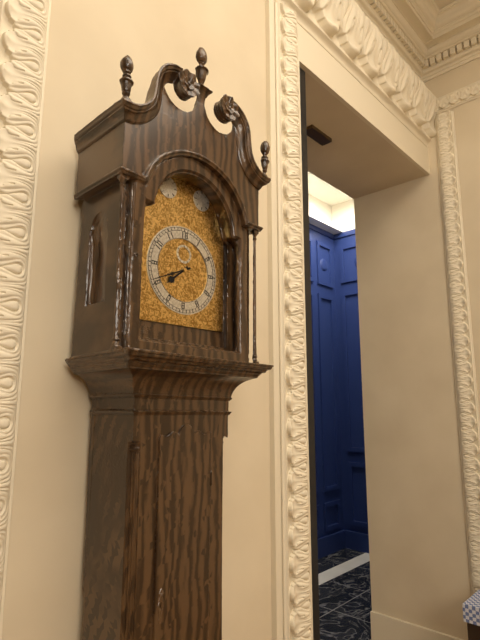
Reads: 7:41
